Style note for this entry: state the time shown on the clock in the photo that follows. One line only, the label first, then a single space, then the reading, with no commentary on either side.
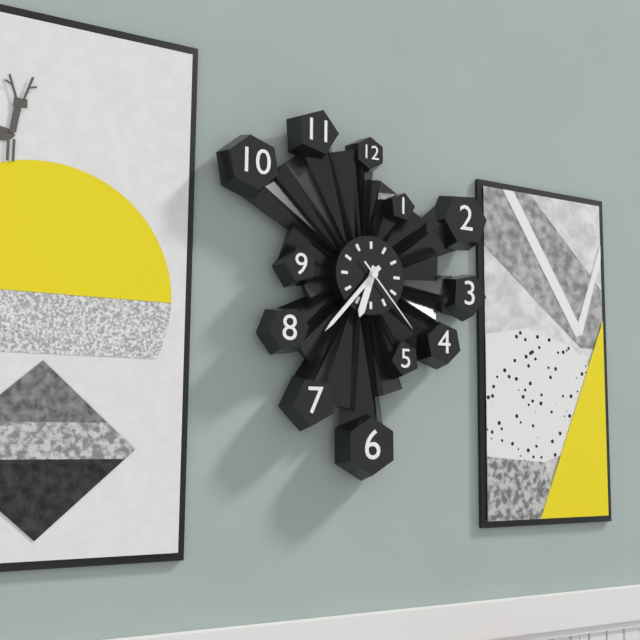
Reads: 6:37:23
